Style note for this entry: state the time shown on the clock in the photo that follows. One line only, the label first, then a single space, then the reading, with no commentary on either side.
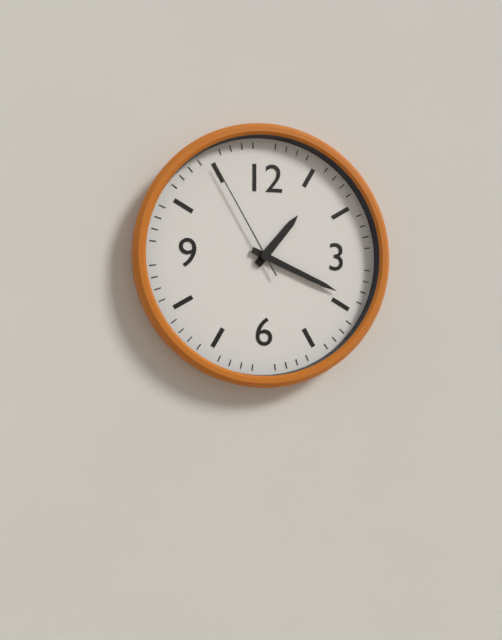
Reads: 1:19:55
